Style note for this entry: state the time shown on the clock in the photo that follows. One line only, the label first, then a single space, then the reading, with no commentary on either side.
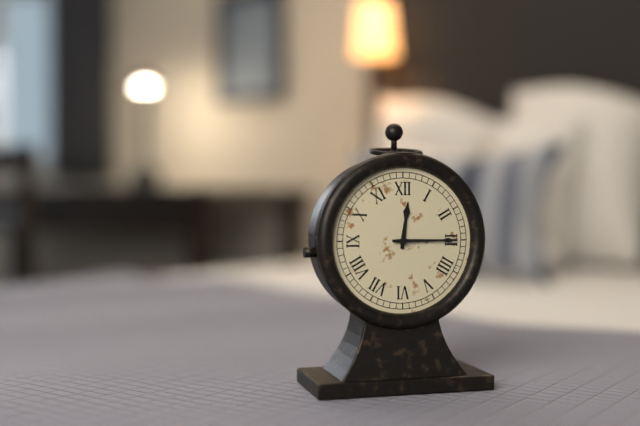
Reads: 12:15
